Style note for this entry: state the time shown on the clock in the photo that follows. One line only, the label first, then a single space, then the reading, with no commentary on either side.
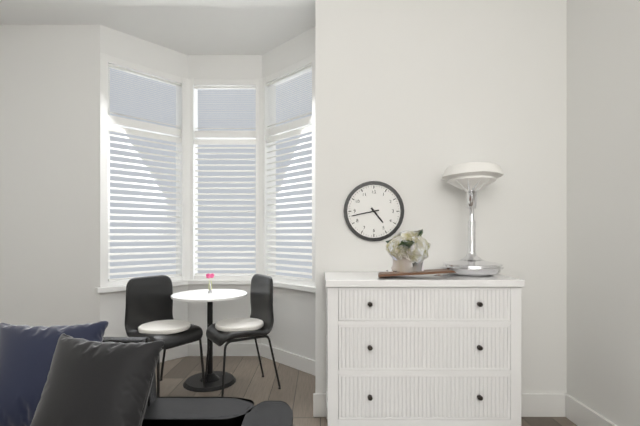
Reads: 4:43
